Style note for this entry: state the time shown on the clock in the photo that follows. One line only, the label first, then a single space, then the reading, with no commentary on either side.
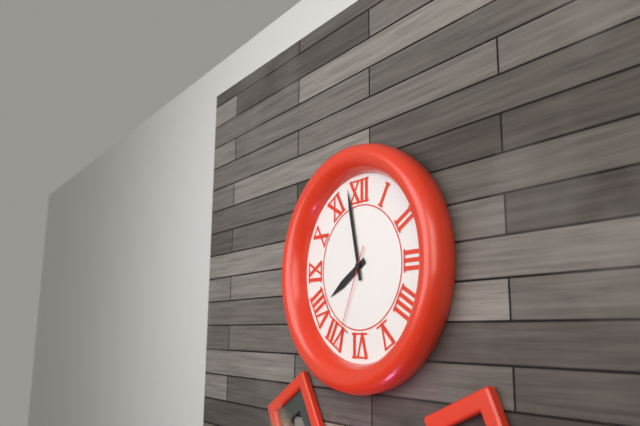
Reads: 7:58:34
